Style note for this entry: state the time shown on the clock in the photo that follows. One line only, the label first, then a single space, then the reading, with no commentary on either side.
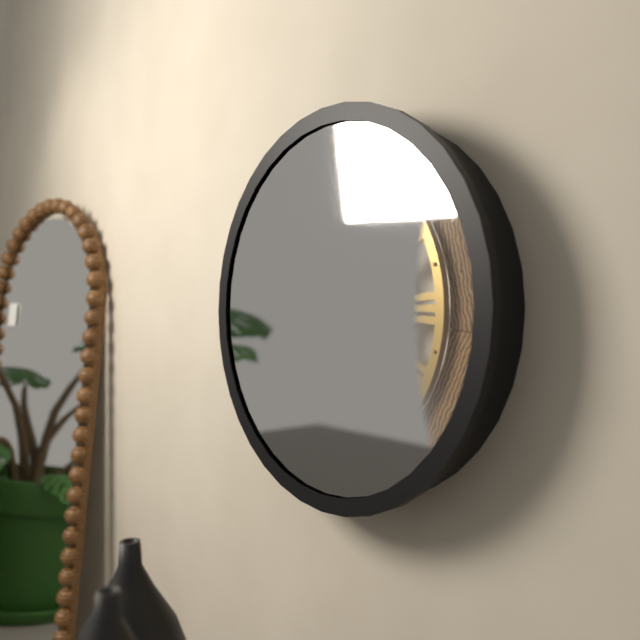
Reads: 7:54
